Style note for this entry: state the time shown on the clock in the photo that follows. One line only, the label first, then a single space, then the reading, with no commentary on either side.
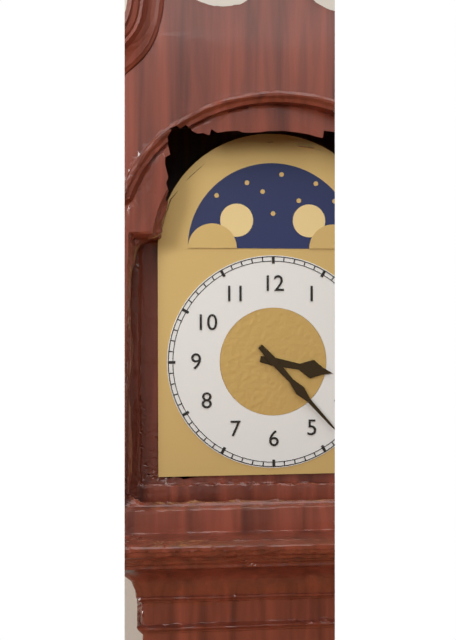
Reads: 3:23
